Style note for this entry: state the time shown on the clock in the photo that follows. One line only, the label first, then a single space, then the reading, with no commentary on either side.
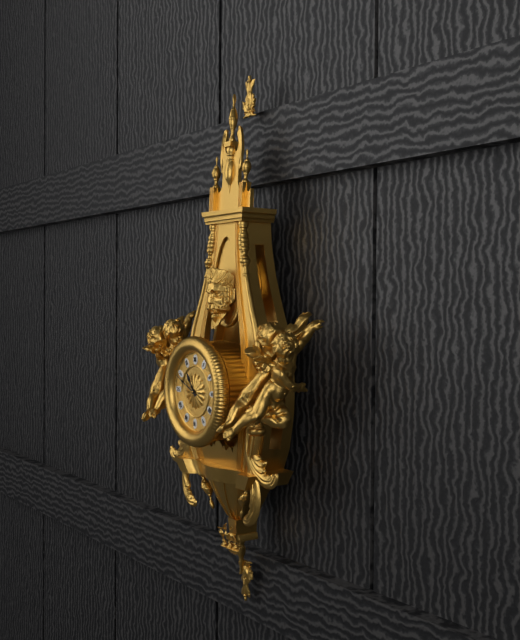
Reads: 10:49
